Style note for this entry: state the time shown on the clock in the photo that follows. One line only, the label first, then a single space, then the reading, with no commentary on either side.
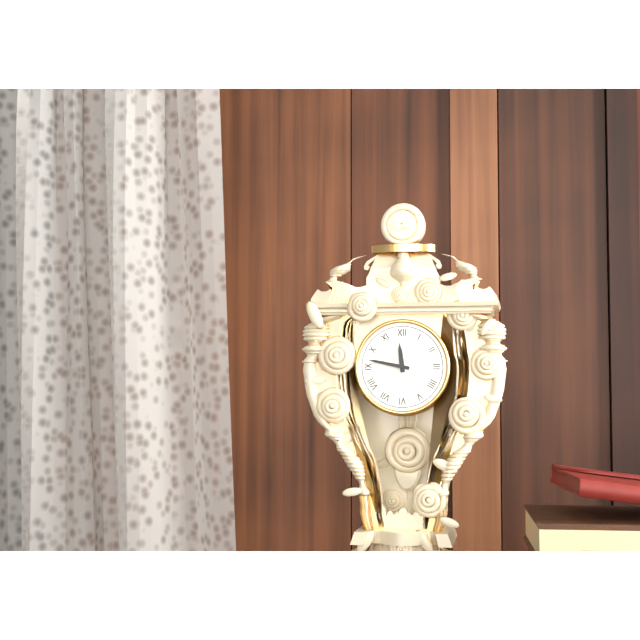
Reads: 11:47
